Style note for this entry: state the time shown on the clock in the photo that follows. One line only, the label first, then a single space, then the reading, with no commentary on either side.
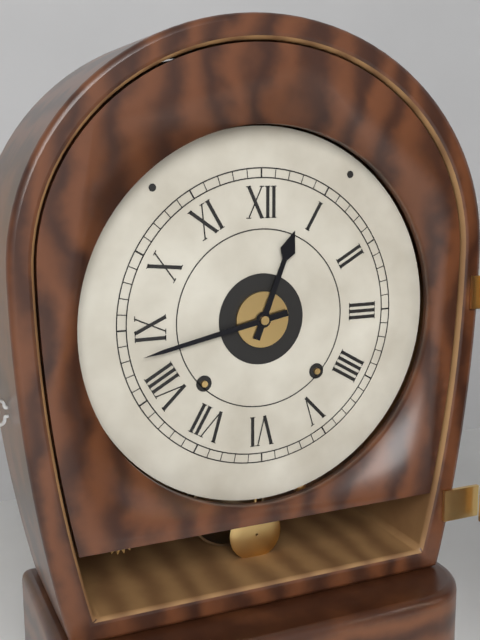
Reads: 12:43
